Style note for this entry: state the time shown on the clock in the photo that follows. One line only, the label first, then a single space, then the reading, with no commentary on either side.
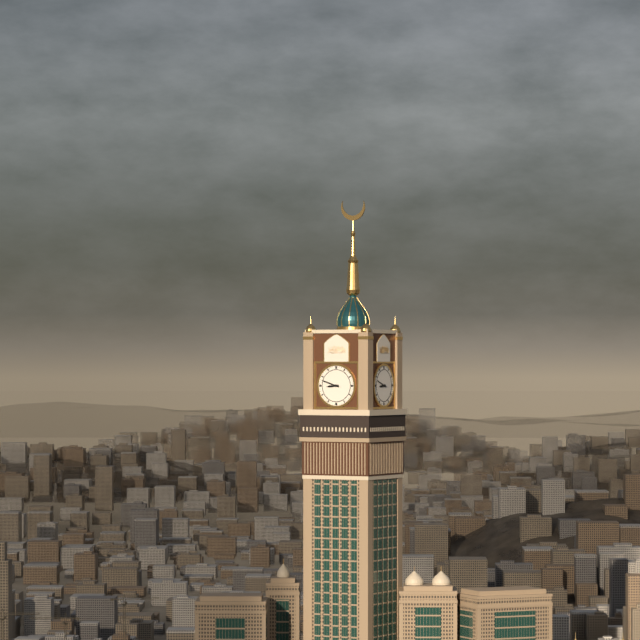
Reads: 8:48
